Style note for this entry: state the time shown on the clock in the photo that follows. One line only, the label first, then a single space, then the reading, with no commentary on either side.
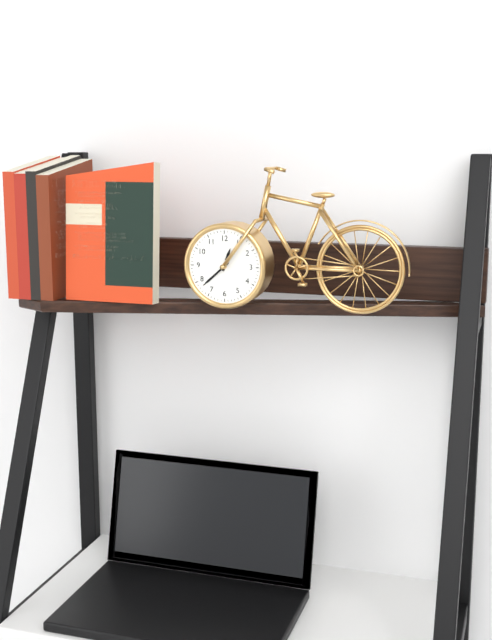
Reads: 12:38
